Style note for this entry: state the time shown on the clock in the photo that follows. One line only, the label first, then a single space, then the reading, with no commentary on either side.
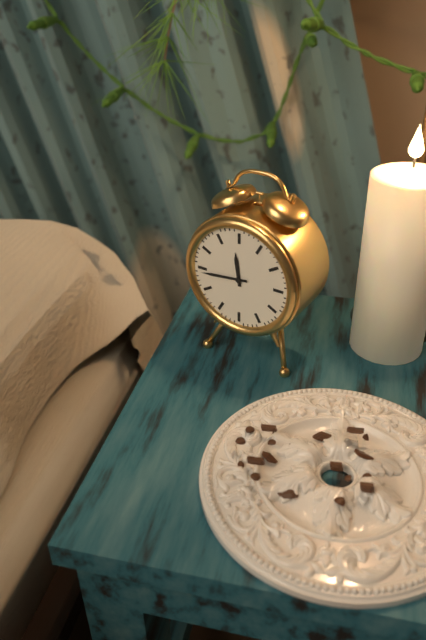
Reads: 11:44
